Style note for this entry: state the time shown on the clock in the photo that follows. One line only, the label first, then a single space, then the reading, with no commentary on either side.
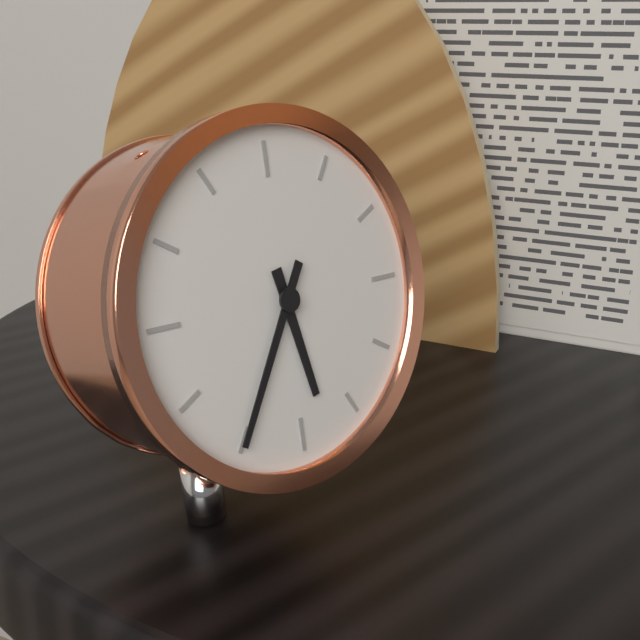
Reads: 5:35
